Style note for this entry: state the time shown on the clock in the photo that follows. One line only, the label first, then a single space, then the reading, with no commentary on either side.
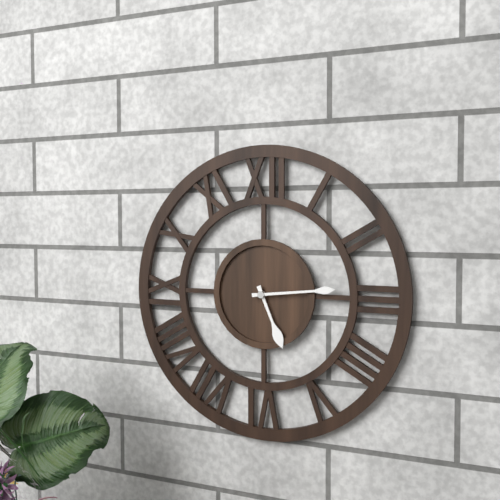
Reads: 5:14
